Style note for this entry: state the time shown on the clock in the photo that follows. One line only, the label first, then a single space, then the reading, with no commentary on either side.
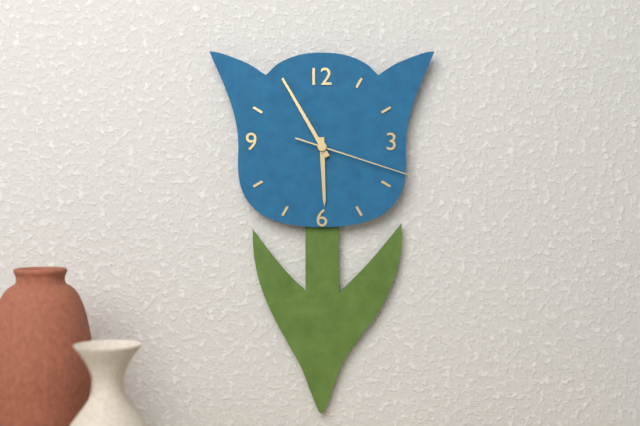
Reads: 5:55:18
